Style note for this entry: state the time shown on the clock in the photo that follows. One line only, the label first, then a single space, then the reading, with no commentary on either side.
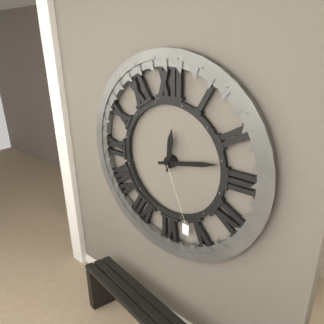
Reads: 12:13
